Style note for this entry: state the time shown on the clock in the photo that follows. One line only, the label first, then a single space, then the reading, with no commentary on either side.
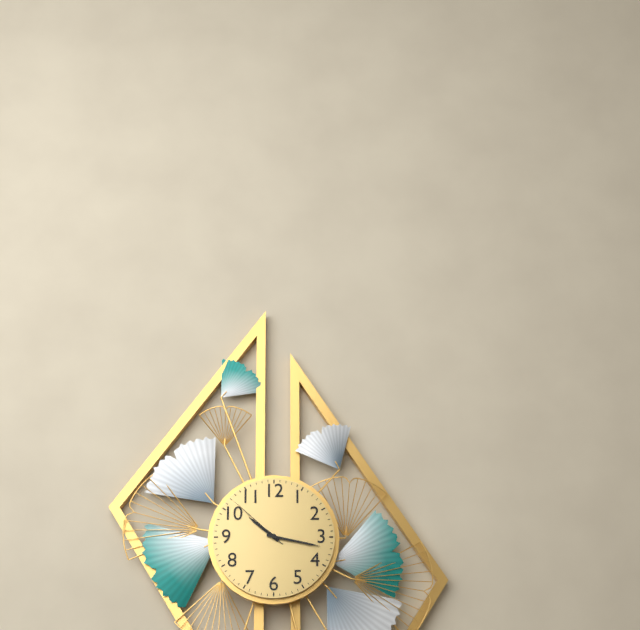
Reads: 10:17:52
